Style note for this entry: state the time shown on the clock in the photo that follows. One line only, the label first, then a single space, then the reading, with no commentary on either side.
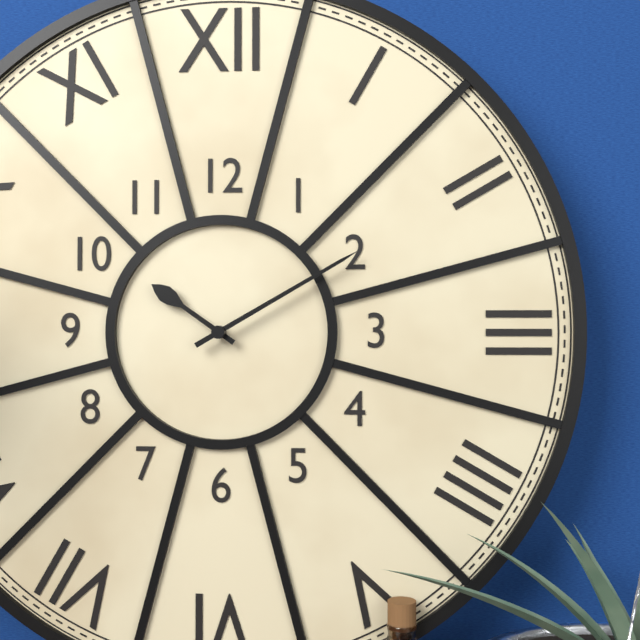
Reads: 10:10
